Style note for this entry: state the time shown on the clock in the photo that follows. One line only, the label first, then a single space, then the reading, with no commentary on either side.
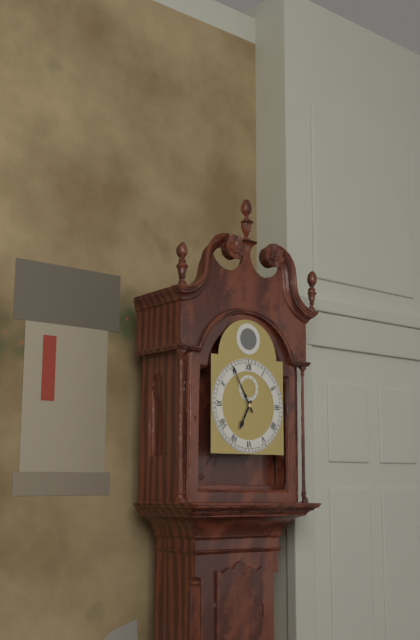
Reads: 6:55
